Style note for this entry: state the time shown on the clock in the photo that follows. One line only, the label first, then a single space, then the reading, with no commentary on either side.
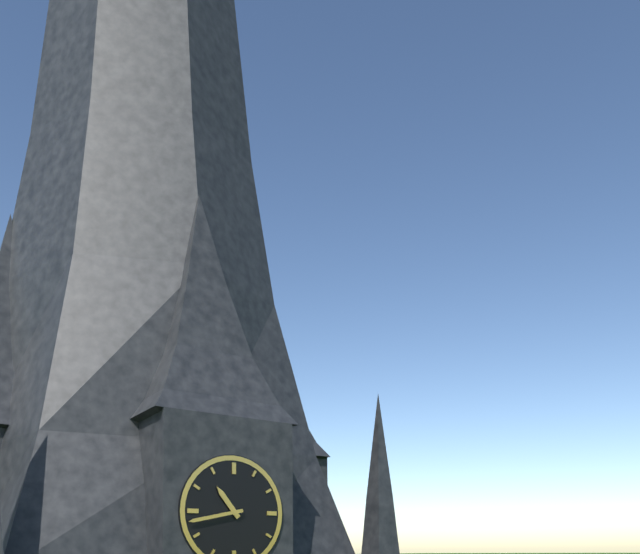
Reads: 10:43
